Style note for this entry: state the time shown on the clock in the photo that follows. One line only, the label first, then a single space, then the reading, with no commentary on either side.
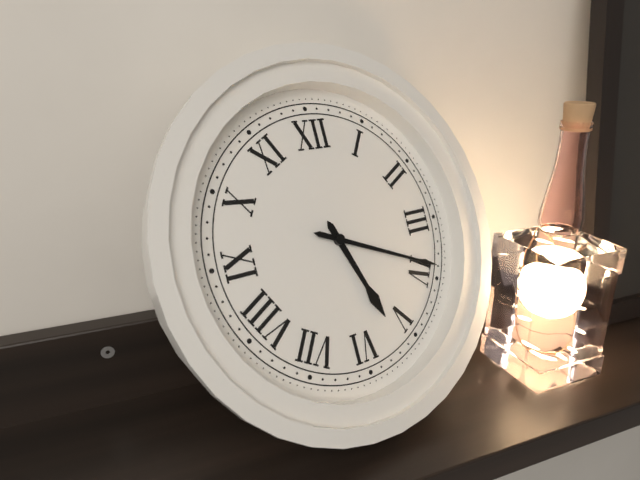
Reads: 5:19
